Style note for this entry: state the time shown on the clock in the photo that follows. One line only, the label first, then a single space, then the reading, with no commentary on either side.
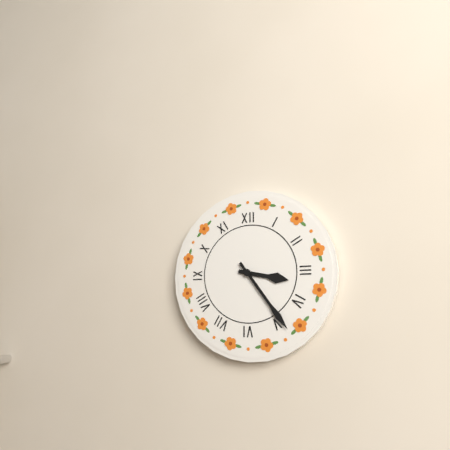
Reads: 3:24
